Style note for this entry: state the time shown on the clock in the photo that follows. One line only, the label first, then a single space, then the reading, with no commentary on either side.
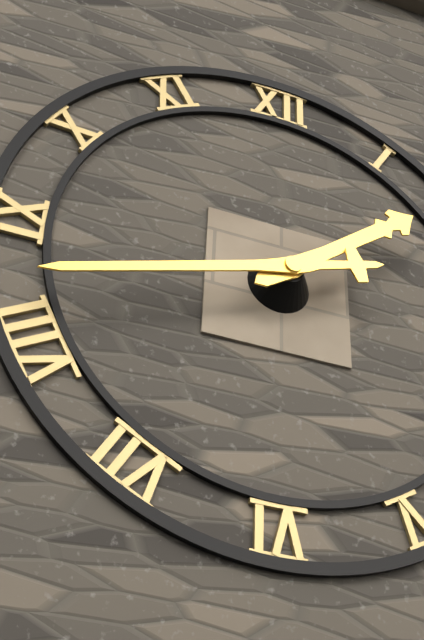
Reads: 1:42
